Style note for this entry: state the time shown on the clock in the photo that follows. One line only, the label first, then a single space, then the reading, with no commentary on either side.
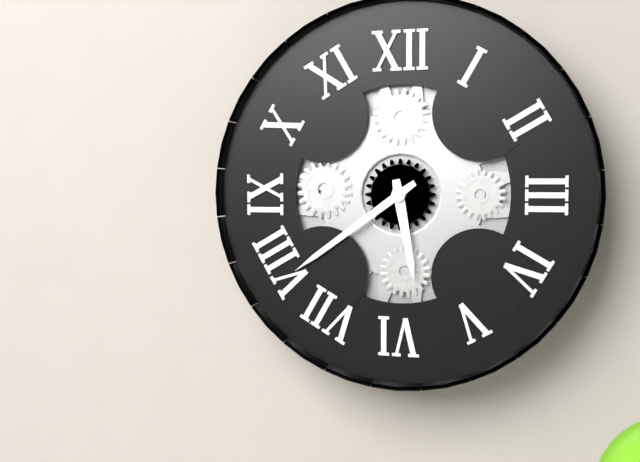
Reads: 5:39
